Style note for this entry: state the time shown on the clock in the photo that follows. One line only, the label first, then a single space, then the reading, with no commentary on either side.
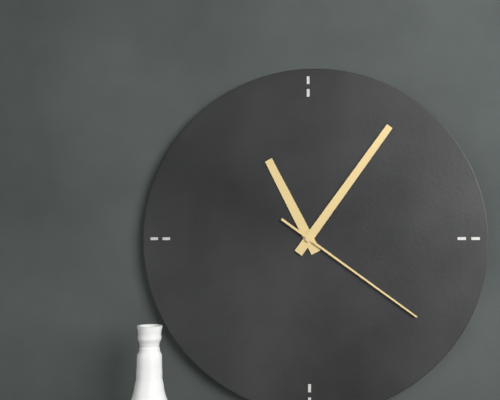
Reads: 11:06:21
